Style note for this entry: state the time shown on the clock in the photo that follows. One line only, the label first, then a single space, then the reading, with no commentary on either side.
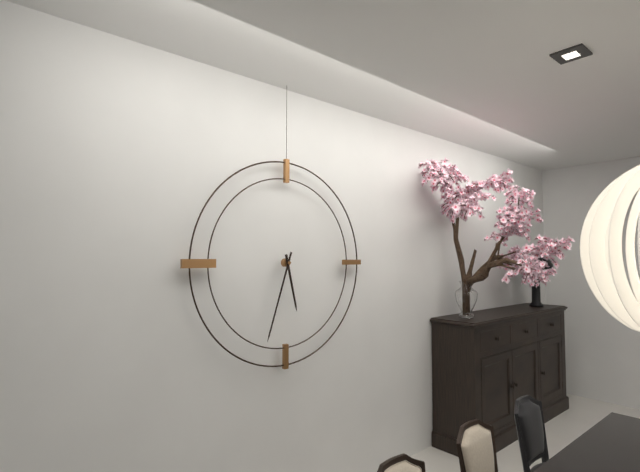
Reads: 5:33
